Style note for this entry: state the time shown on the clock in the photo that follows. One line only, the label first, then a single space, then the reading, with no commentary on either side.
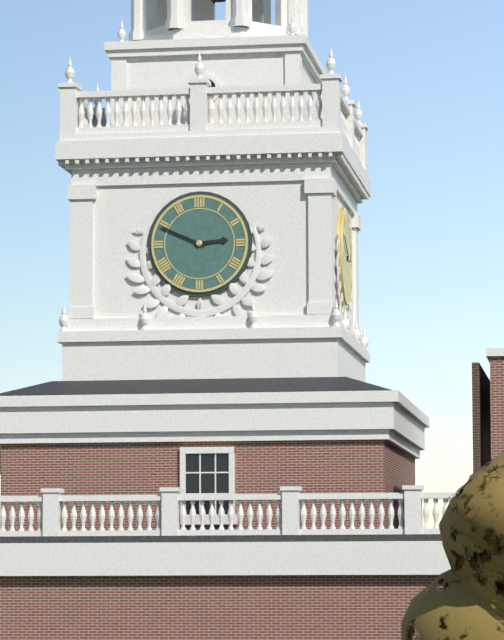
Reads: 2:49
